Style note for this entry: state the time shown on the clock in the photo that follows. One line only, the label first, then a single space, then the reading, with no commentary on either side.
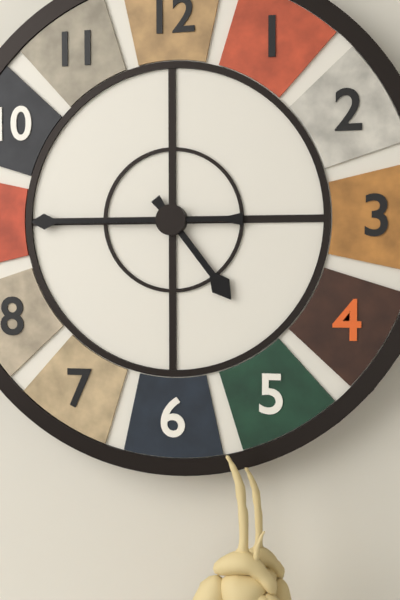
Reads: 4:45
